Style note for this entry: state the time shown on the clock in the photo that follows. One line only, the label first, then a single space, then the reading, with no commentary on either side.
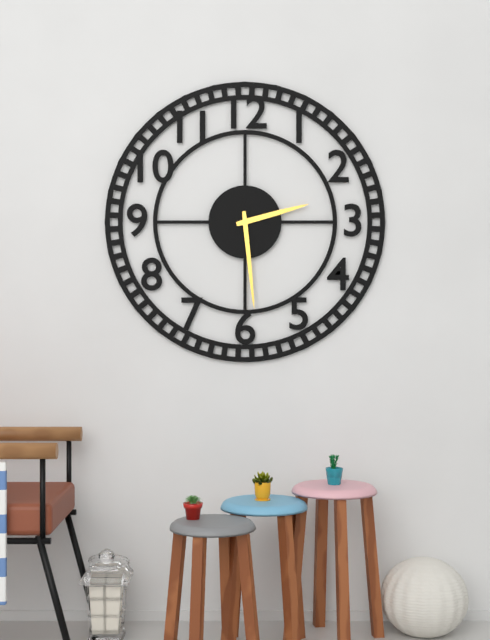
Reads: 2:29
